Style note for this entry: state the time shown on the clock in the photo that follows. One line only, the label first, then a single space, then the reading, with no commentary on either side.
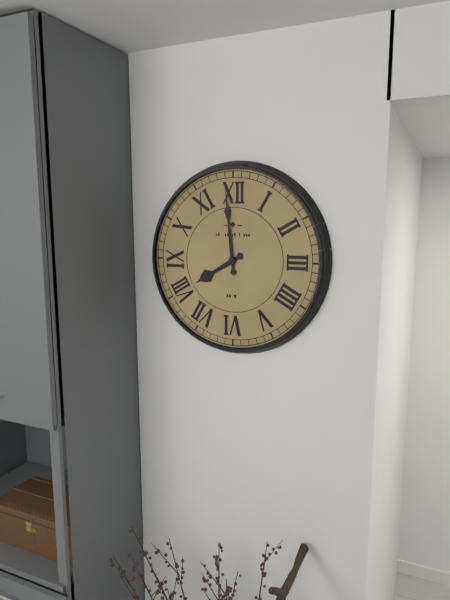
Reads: 7:59
